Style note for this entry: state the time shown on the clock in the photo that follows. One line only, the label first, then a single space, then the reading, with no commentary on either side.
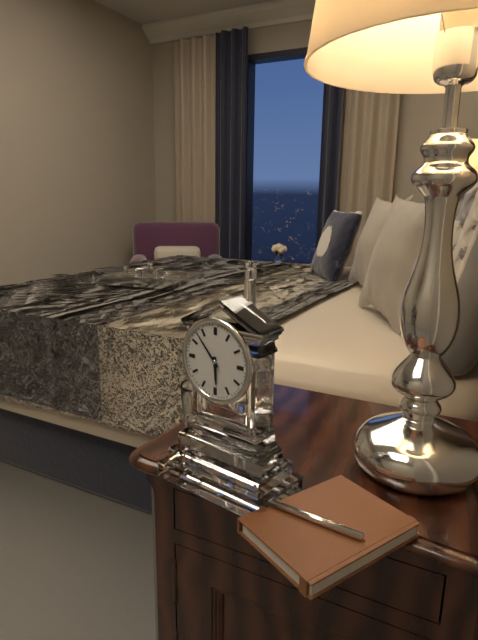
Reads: 5:53
